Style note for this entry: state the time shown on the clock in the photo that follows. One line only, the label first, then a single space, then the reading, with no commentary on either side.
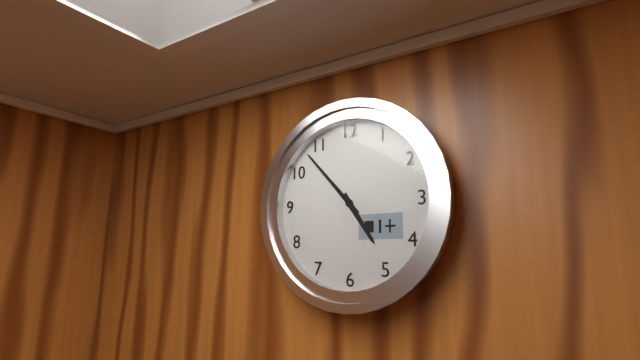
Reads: 4:53
